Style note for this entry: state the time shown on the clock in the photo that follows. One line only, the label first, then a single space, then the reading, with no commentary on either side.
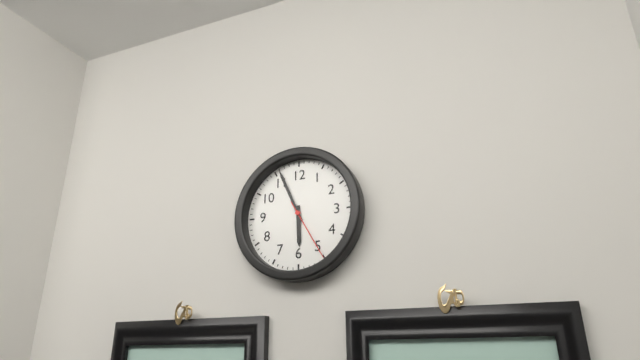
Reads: 5:56:25
